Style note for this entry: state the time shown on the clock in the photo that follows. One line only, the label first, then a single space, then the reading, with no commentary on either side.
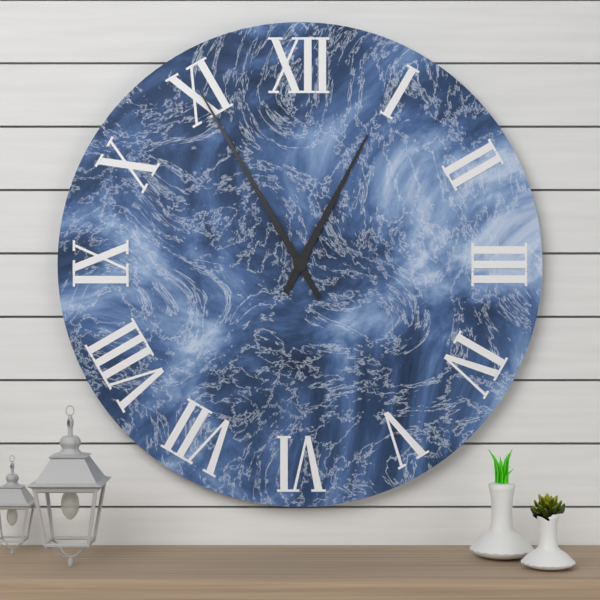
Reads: 12:55
